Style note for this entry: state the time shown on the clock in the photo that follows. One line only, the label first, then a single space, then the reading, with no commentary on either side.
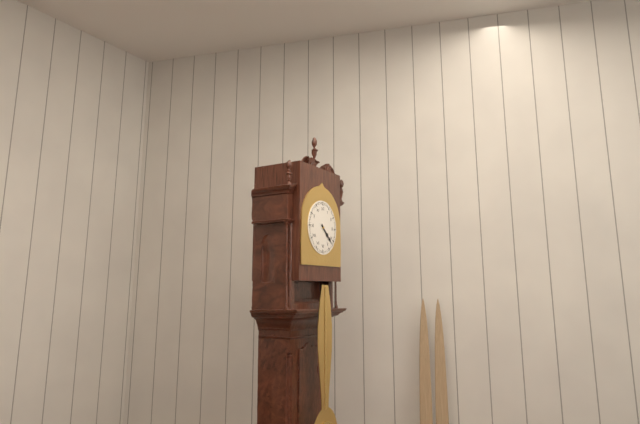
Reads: 4:22
